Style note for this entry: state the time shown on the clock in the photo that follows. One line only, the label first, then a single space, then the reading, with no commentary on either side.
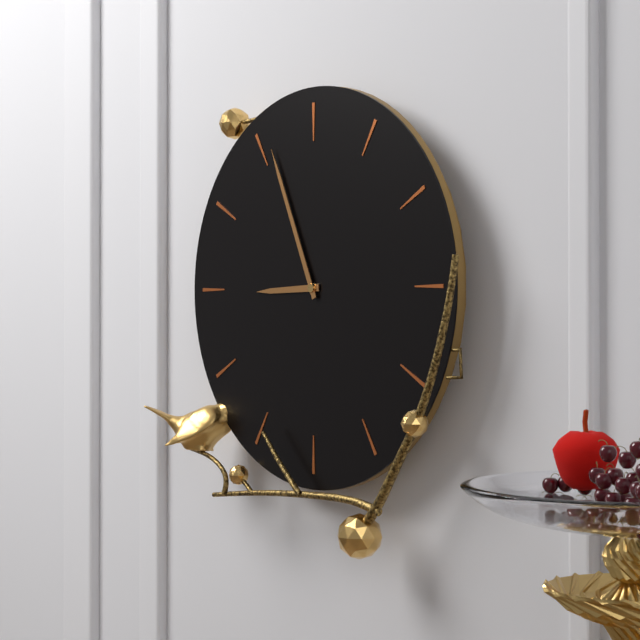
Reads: 8:56
